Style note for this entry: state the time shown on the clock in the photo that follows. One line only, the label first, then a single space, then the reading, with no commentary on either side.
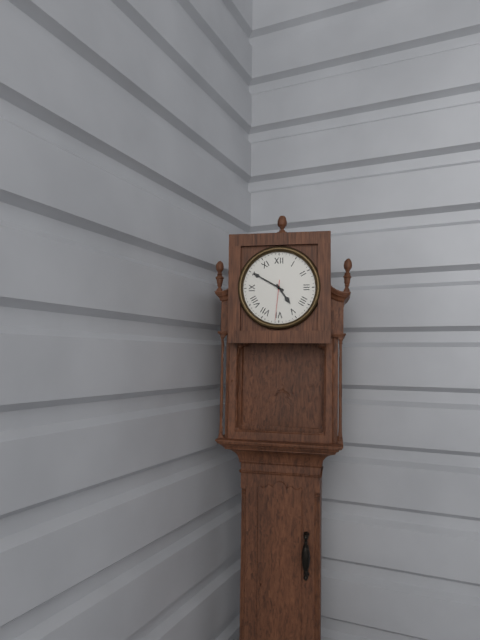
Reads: 4:50
